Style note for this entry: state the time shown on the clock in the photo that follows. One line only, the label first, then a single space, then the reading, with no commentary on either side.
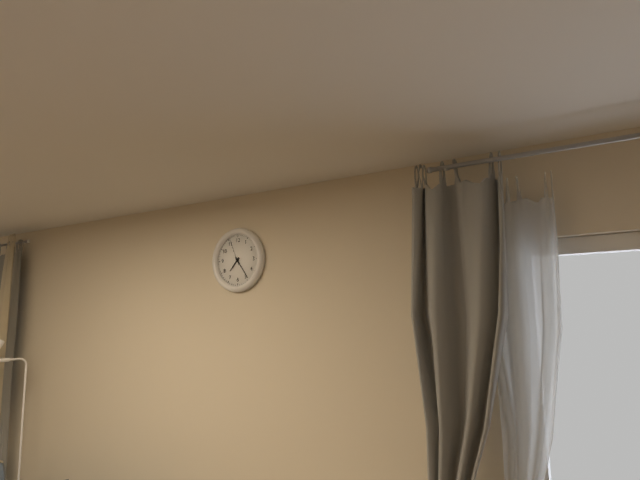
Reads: 7:24
